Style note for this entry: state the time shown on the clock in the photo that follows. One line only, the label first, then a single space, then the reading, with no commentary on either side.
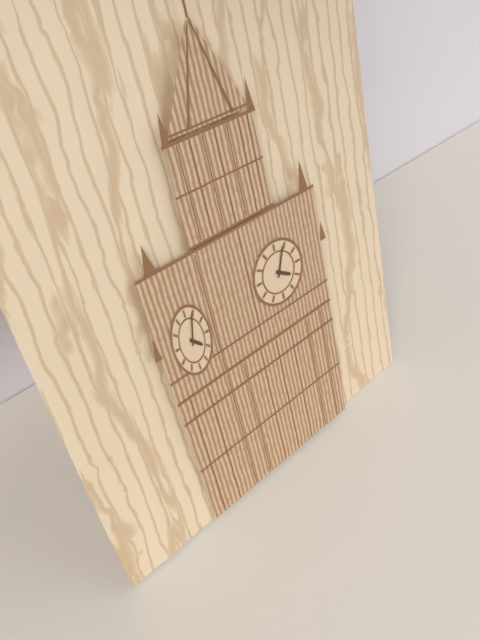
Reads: 4:04
